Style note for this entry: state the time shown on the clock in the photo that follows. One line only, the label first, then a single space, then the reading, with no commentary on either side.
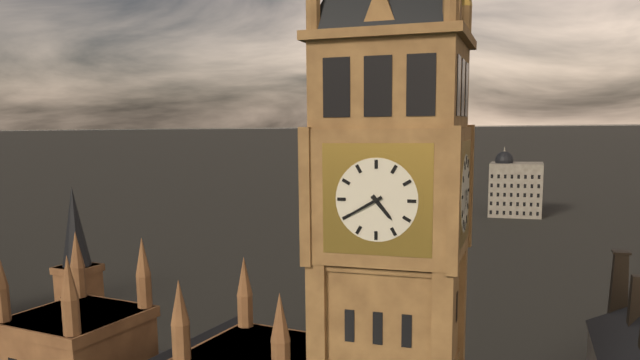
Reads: 4:40
